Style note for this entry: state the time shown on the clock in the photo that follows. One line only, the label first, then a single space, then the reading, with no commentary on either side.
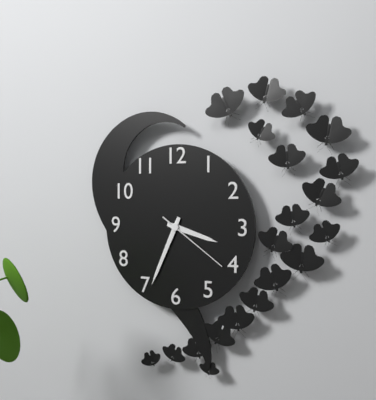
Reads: 3:34:21
